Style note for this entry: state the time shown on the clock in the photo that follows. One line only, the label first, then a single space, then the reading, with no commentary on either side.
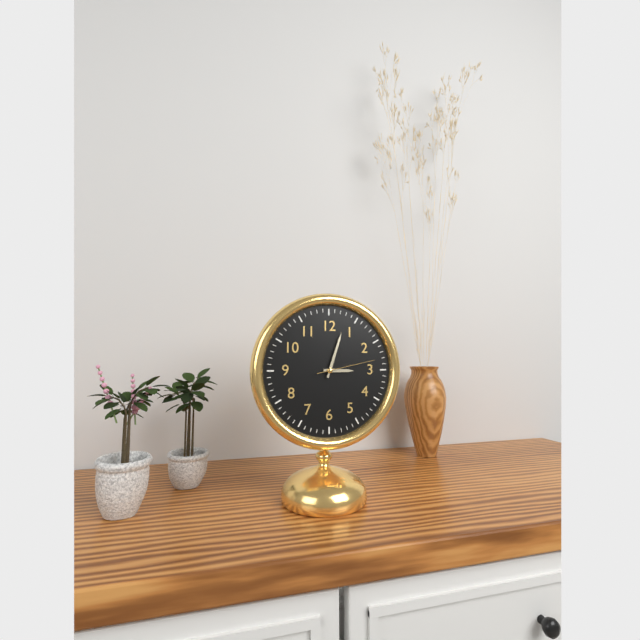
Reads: 3:03:13
